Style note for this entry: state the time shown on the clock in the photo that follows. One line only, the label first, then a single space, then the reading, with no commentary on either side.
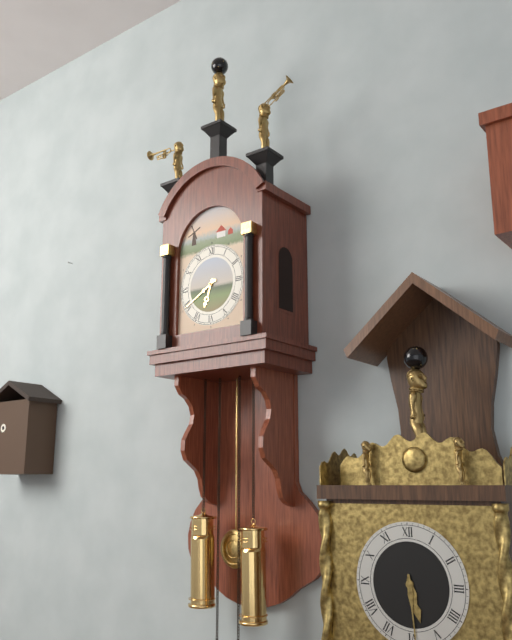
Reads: 6:40
